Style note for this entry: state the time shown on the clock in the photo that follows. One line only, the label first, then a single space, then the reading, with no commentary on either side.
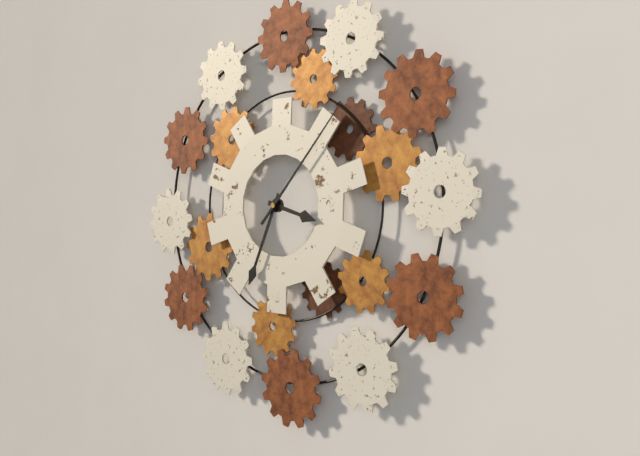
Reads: 3:34:07
